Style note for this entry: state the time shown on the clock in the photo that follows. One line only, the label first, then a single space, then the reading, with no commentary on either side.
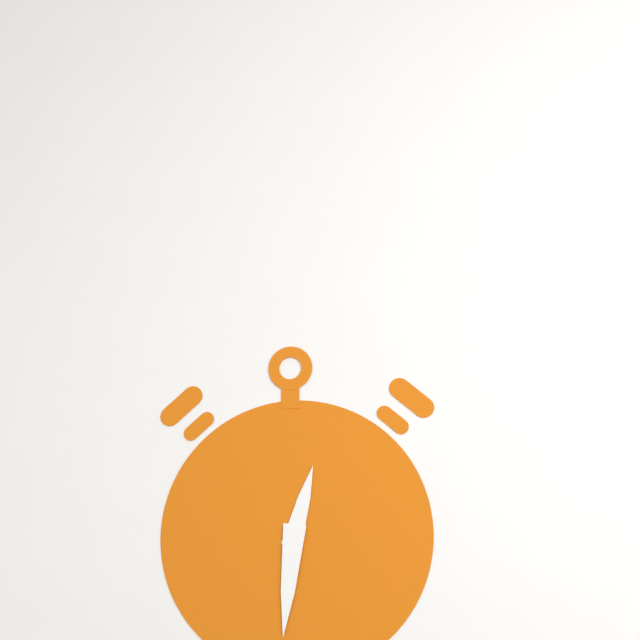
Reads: 12:31
